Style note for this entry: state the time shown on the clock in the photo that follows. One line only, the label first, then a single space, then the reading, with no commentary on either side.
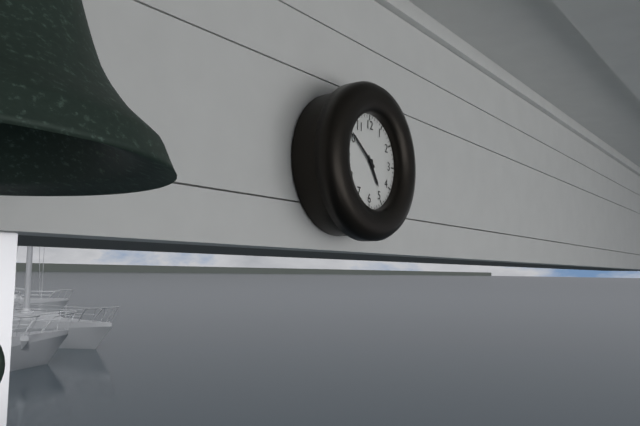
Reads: 4:51
